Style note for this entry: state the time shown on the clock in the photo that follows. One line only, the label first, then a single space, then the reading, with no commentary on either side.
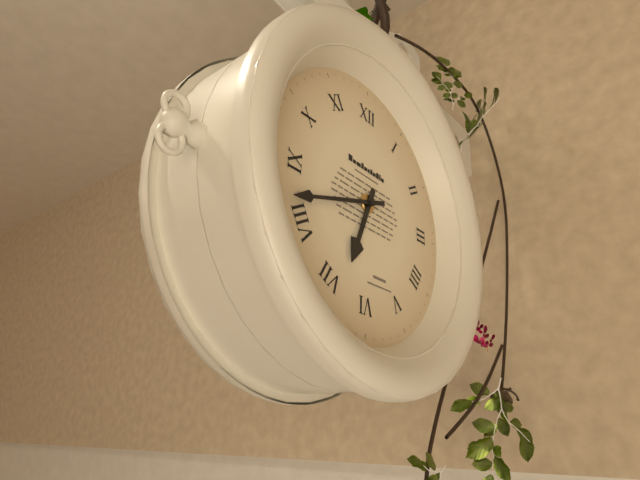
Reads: 6:42
